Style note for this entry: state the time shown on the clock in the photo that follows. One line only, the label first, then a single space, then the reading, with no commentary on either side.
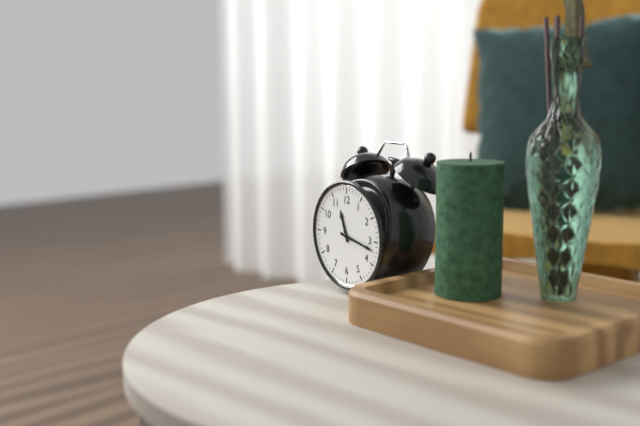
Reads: 11:17
